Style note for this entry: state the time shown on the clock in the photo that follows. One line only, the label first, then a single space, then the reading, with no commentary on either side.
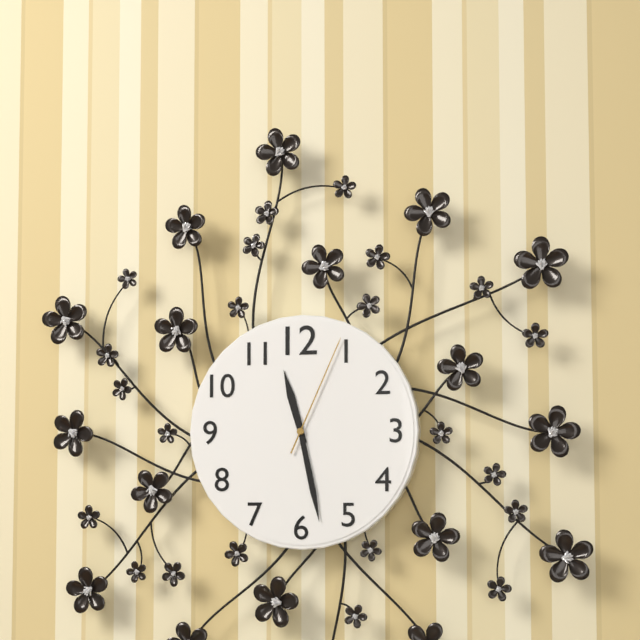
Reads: 11:28:04
